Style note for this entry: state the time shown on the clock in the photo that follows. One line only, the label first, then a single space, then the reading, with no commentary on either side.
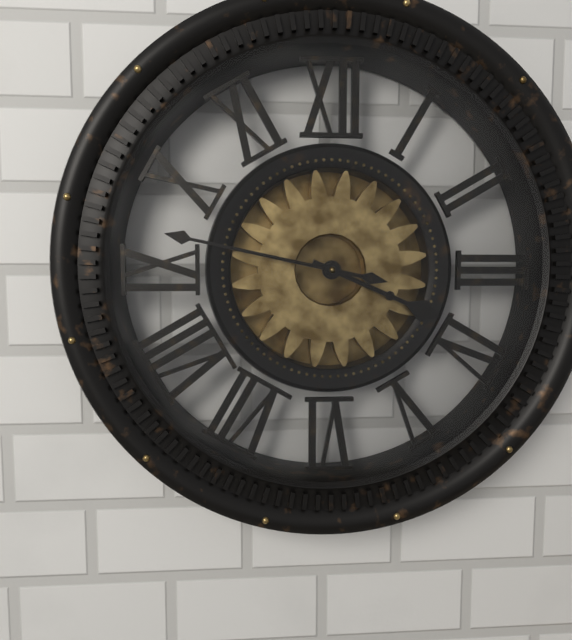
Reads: 3:47
